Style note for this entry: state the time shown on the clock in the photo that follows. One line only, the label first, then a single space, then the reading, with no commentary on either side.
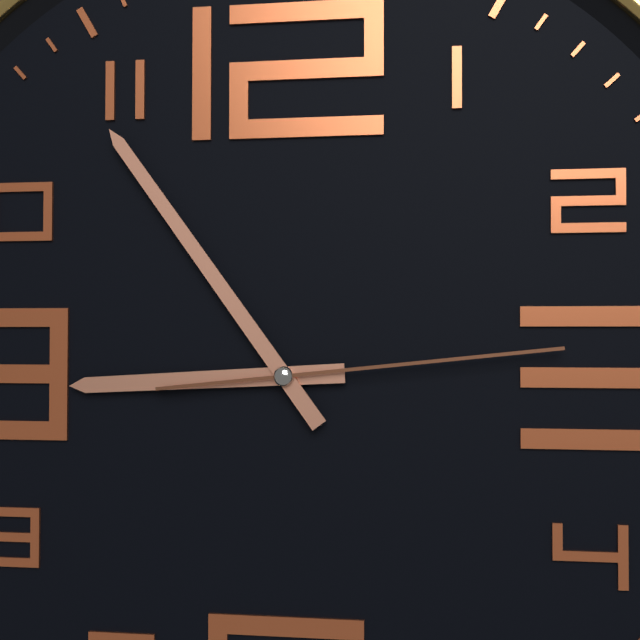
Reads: 8:54:14
